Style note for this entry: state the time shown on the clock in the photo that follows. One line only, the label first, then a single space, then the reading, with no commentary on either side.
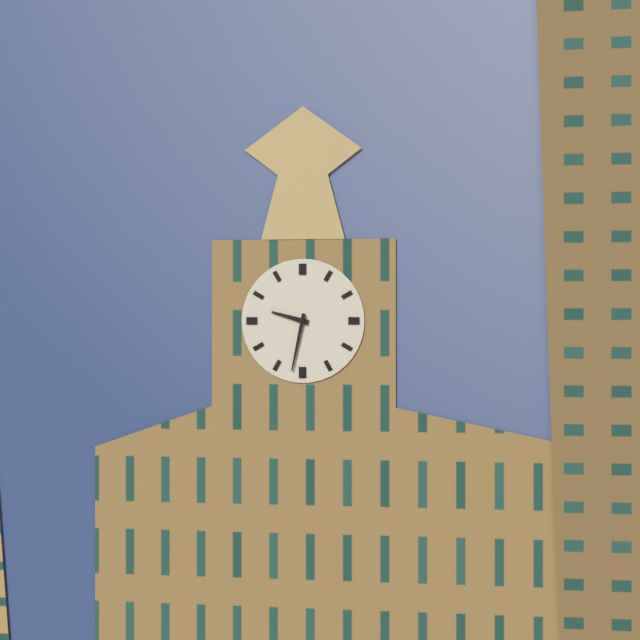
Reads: 9:32
